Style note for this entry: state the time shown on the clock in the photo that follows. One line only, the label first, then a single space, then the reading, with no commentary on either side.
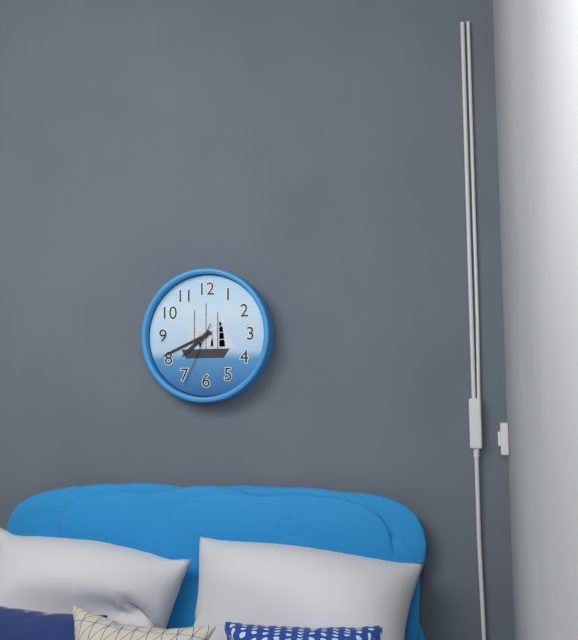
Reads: 7:41:34
